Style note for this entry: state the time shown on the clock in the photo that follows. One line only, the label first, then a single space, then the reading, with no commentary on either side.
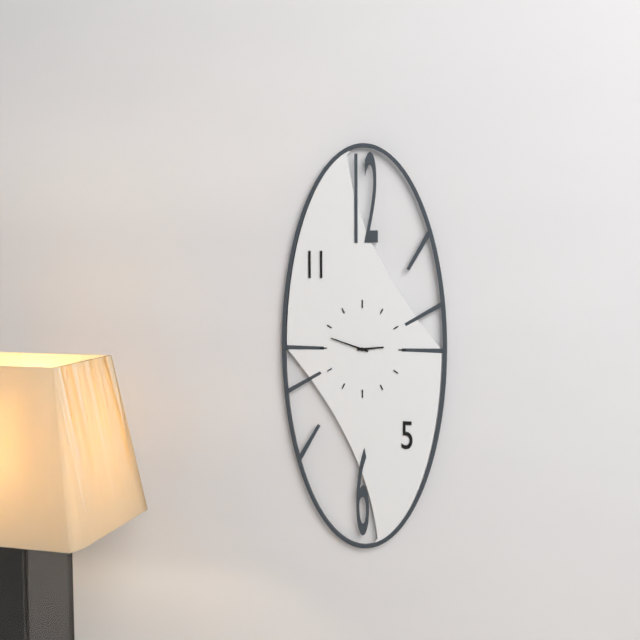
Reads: 2:48
